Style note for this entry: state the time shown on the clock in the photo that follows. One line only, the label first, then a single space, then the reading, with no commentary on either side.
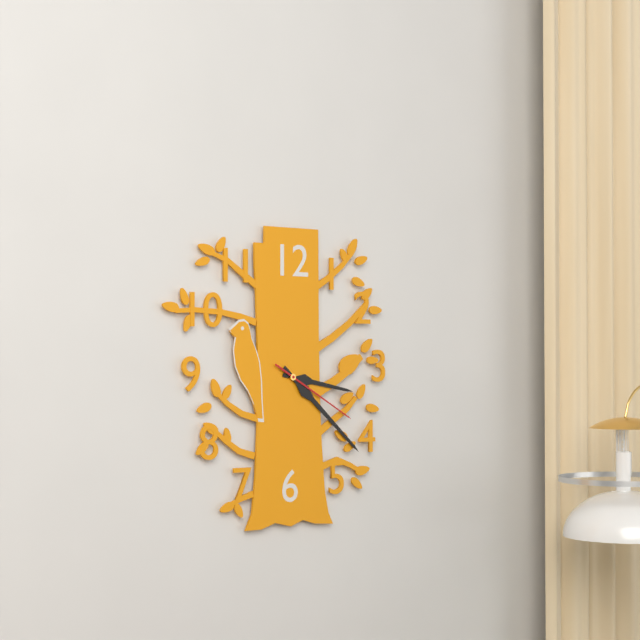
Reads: 3:22:20
